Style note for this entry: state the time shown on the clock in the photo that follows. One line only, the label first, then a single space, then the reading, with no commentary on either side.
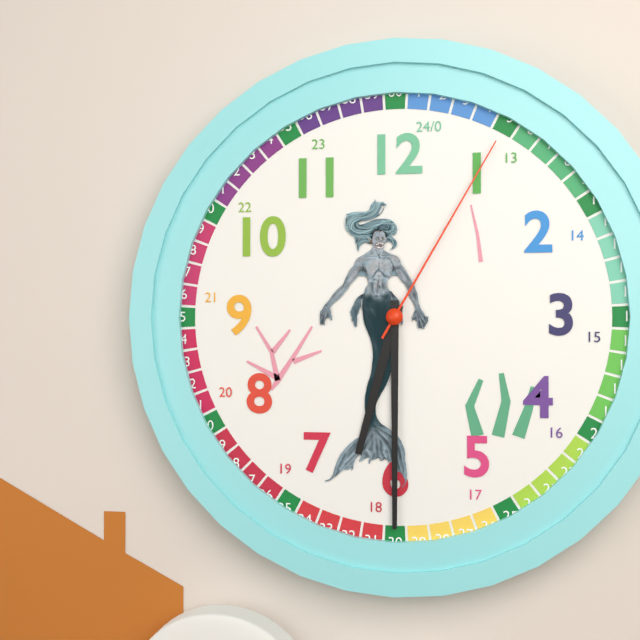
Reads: 6:30:05
